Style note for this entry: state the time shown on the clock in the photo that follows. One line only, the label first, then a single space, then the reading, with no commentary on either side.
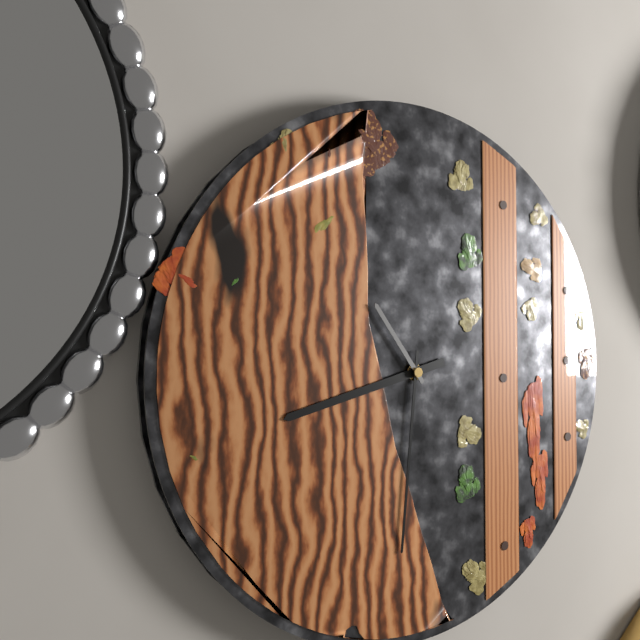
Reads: 8:31:54
